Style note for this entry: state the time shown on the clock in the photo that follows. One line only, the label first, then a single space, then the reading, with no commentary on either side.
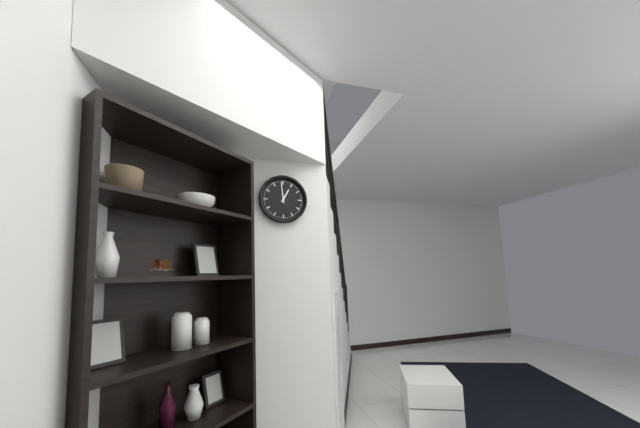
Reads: 12:59
